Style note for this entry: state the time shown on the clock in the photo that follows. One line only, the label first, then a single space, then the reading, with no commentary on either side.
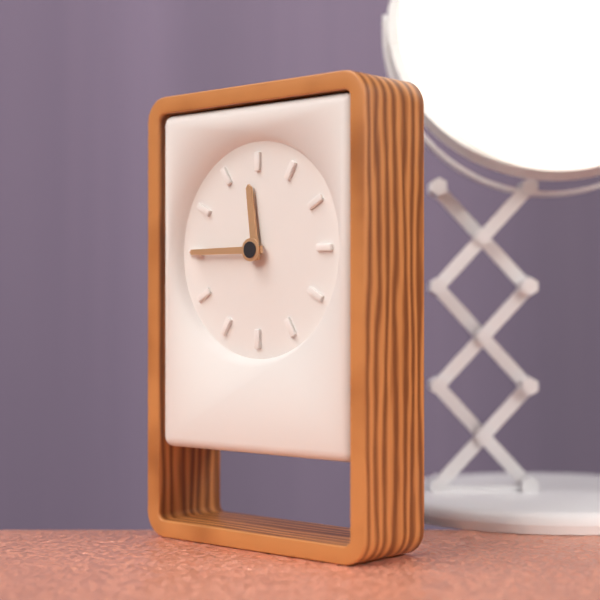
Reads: 11:45
